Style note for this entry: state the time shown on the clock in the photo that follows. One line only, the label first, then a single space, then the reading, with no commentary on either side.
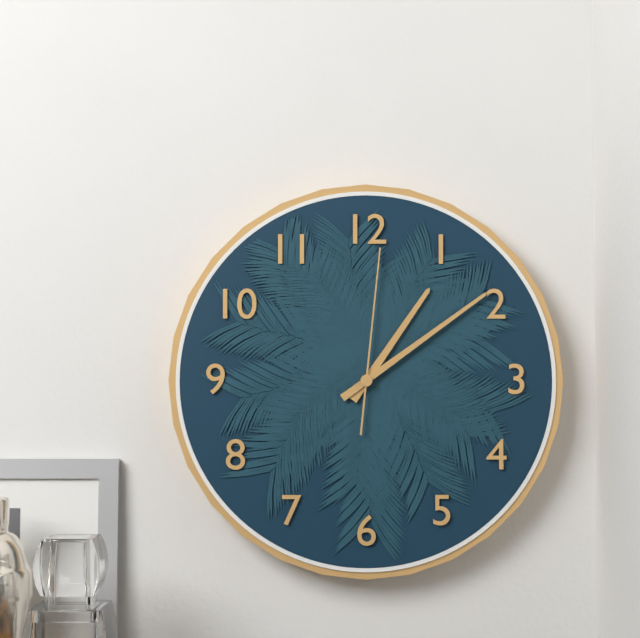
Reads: 1:09:01
